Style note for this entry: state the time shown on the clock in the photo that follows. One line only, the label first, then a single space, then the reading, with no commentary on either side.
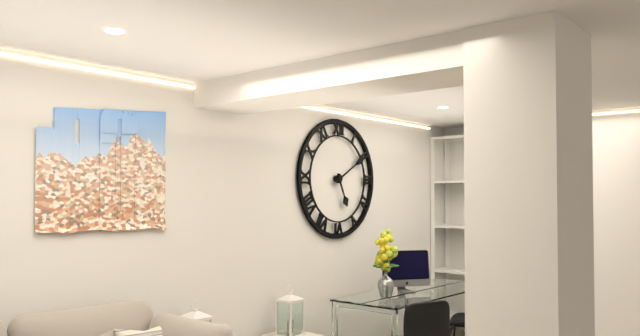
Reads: 5:10
